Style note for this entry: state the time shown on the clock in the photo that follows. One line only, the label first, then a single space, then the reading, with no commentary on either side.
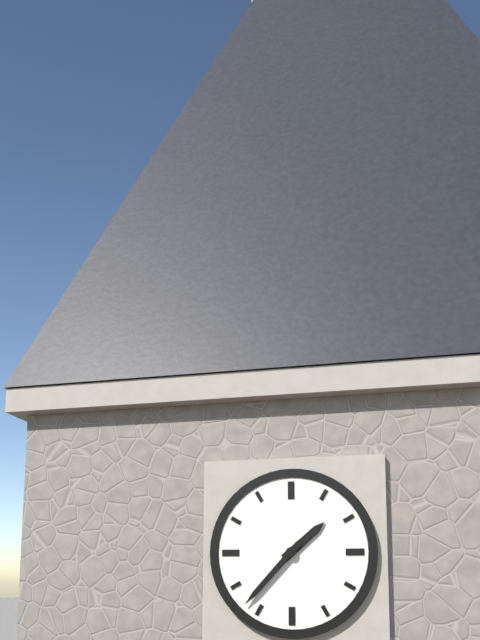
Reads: 1:37
